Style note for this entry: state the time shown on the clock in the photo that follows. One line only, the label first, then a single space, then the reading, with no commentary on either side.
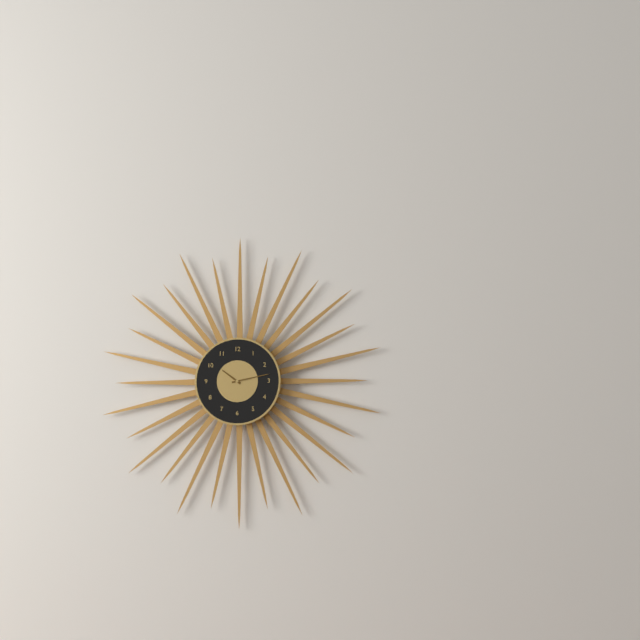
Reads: 10:13
